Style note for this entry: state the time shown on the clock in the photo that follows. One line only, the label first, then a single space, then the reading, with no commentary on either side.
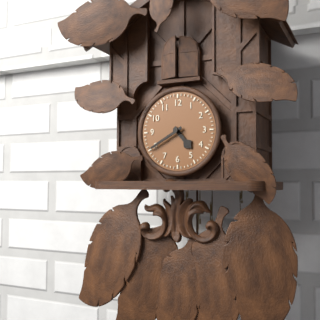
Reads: 4:40
